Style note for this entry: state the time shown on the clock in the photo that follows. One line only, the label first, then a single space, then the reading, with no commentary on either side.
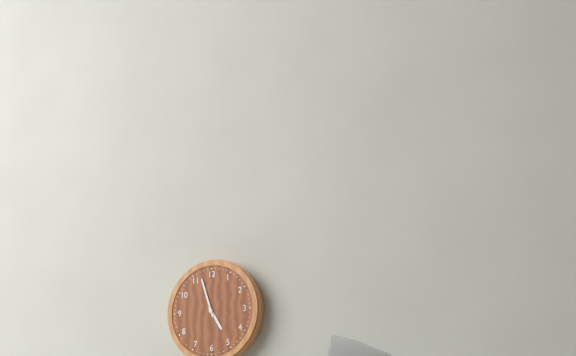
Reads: 4:57
